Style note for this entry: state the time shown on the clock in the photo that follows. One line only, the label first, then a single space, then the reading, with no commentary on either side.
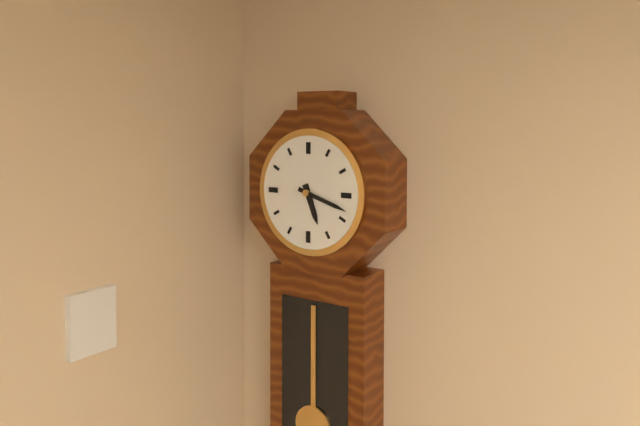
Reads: 5:18
